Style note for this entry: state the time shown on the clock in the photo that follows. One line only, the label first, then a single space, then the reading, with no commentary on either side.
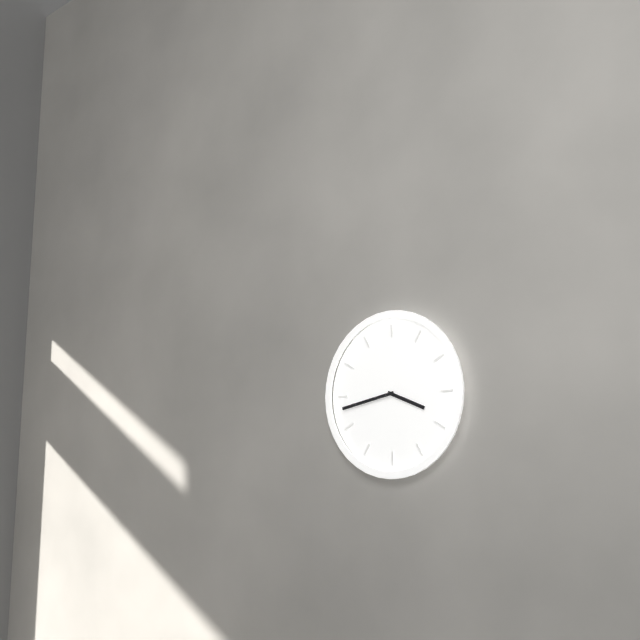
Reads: 3:43
